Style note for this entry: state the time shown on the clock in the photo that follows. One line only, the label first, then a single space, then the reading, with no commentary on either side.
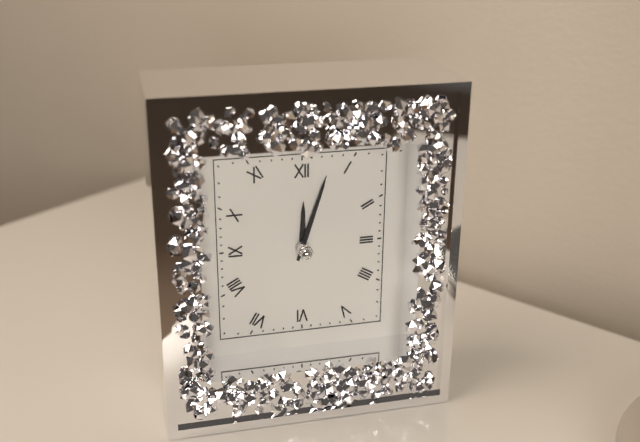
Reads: 12:03
